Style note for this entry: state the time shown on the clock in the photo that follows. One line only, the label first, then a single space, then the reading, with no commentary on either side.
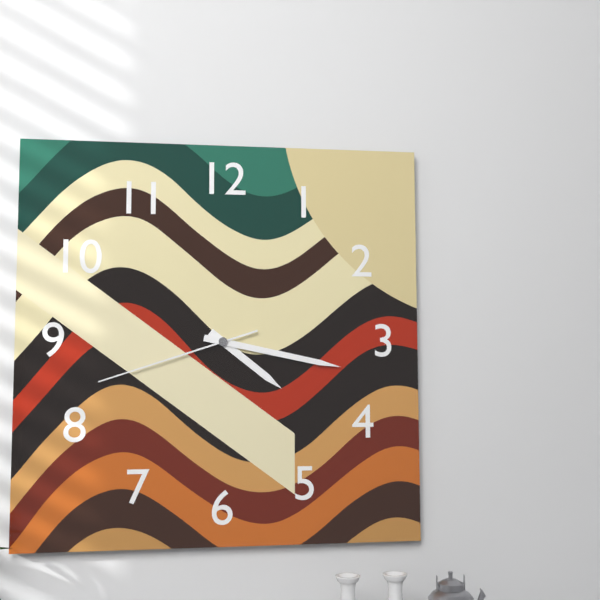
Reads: 4:17:42
